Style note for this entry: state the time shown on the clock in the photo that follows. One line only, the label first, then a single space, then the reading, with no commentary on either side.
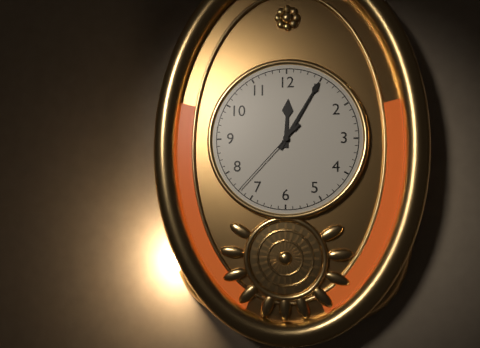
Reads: 12:05:37
